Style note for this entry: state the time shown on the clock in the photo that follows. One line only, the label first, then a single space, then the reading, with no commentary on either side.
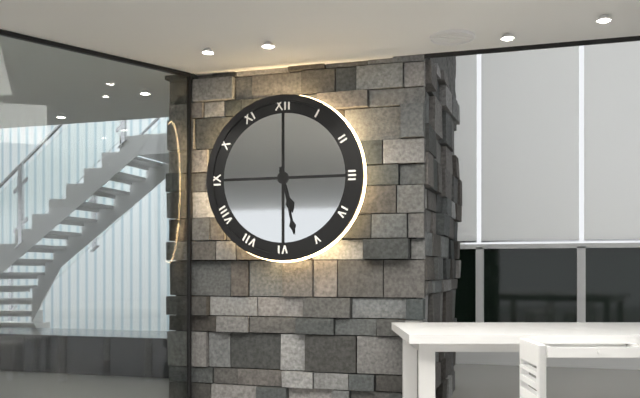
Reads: 5:28
